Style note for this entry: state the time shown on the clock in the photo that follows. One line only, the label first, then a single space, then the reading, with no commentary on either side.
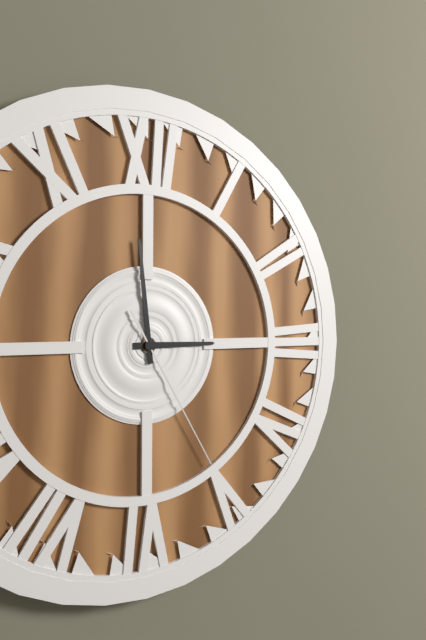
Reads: 2:59:25
